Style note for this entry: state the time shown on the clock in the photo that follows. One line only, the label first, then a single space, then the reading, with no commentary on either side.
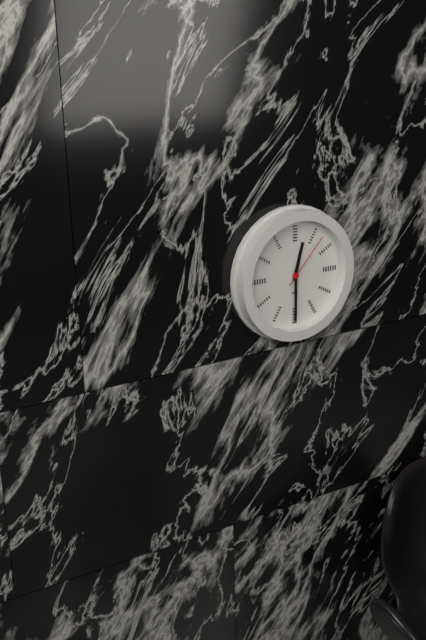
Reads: 12:30:07
